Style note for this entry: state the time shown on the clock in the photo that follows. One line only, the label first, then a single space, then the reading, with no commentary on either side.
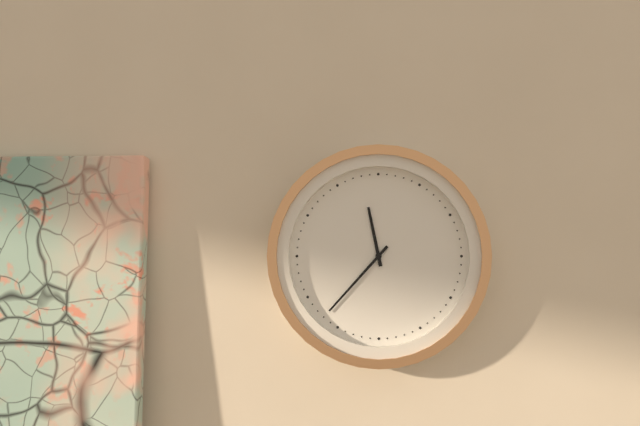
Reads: 11:37
